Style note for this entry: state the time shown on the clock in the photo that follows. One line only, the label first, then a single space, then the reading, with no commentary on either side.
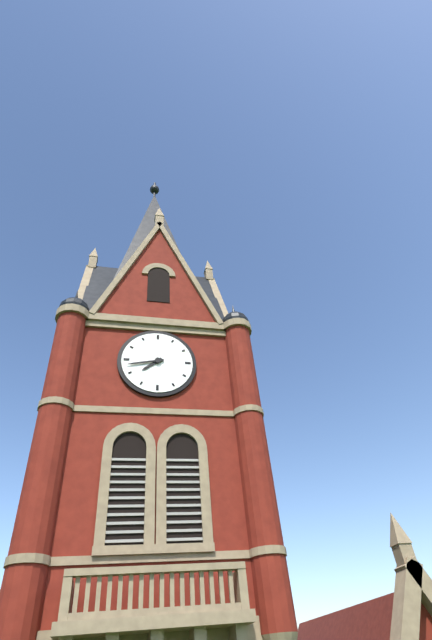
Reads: 7:43
